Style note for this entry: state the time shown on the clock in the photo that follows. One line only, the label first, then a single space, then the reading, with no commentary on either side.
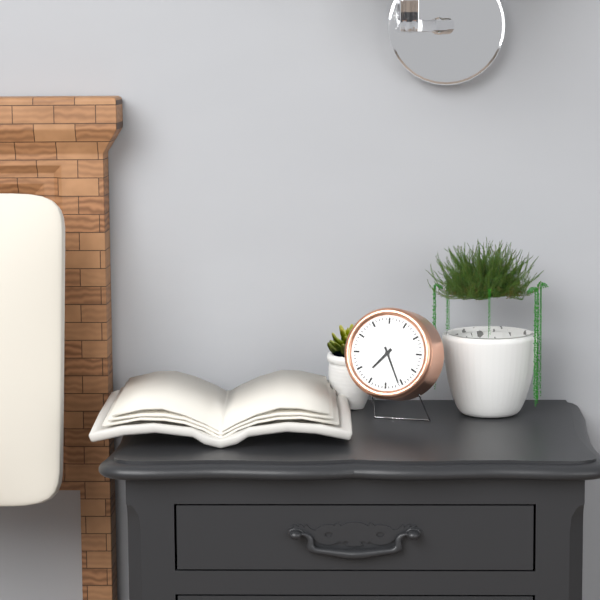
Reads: 7:26
